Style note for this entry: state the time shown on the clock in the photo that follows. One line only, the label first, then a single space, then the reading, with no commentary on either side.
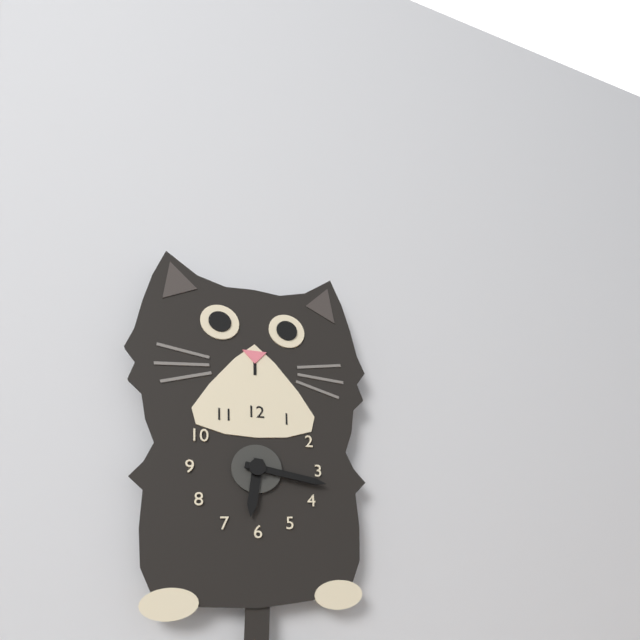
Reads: 6:17
